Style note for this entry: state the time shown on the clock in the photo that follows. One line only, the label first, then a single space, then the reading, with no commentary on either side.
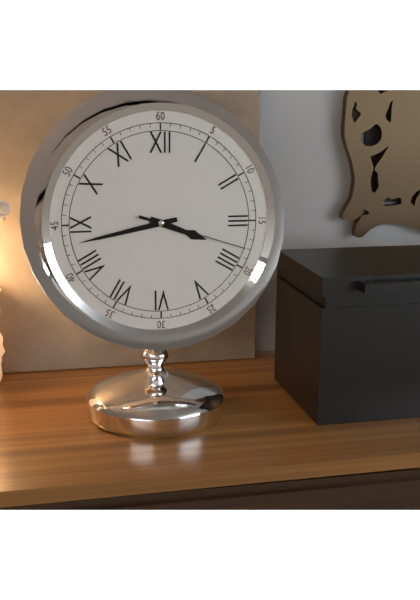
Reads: 3:43:18
